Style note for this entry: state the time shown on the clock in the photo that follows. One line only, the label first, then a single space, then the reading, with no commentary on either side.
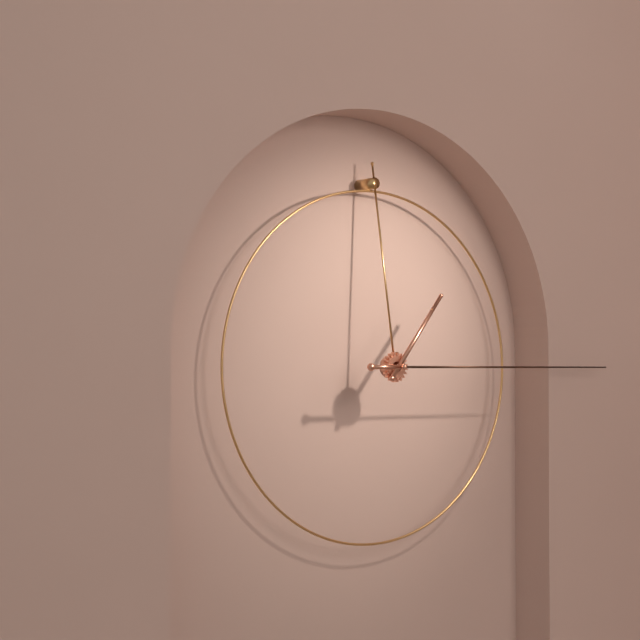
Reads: 1:15
